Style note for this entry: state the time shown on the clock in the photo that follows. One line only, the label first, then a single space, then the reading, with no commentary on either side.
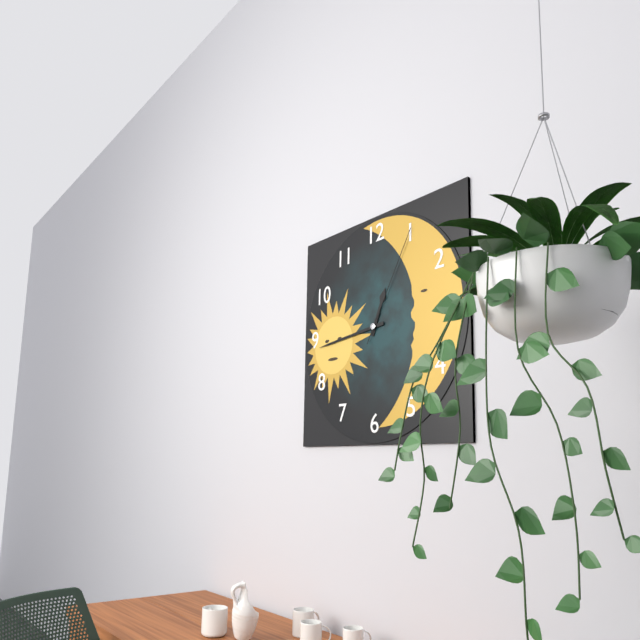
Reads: 12:44:05
